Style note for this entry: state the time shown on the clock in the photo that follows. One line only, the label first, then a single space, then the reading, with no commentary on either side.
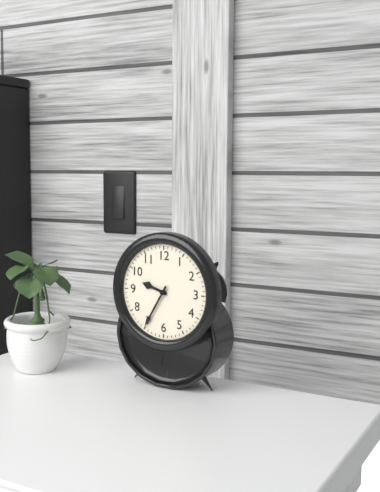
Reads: 9:35
